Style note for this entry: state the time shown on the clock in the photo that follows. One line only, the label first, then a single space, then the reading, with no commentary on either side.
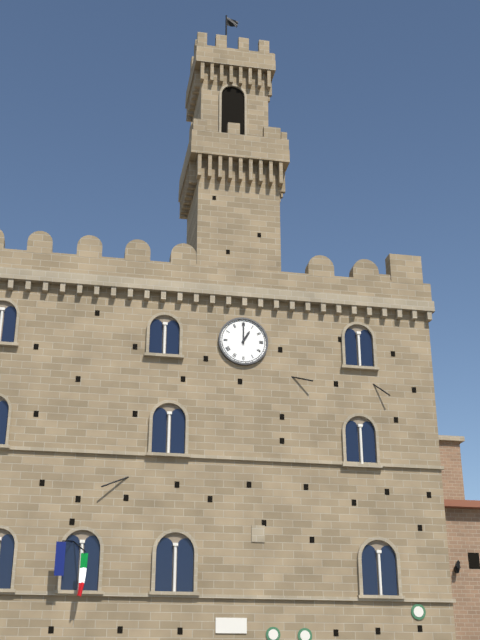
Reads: 1:00
